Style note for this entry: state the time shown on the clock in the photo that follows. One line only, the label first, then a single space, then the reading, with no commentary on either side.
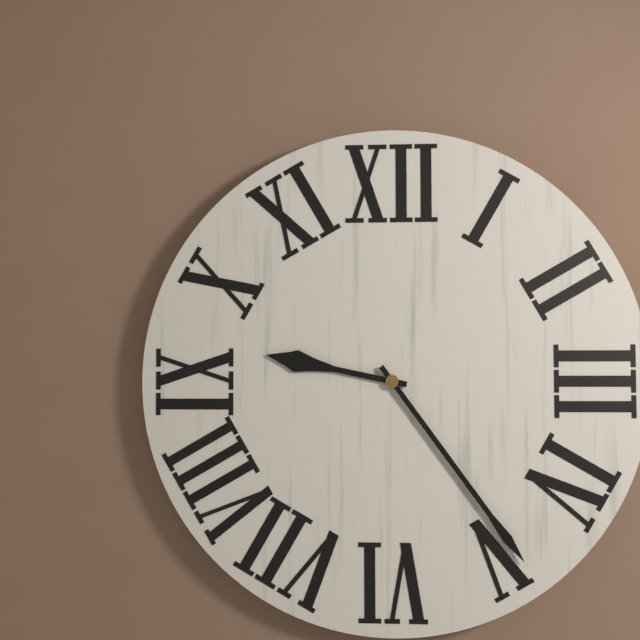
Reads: 9:24
